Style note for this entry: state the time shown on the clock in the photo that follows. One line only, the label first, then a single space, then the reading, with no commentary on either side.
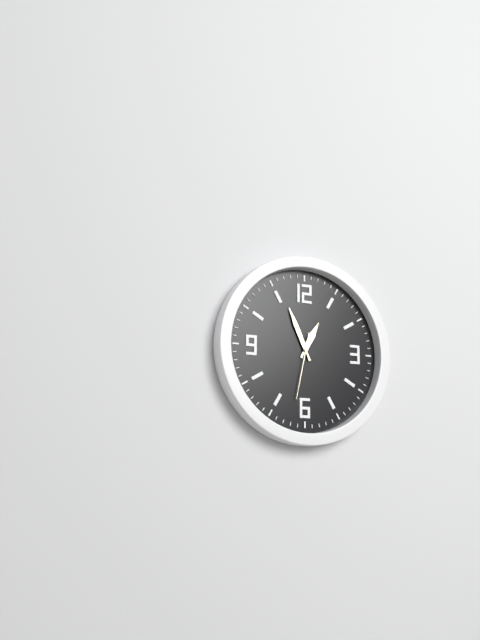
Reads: 12:56:32
